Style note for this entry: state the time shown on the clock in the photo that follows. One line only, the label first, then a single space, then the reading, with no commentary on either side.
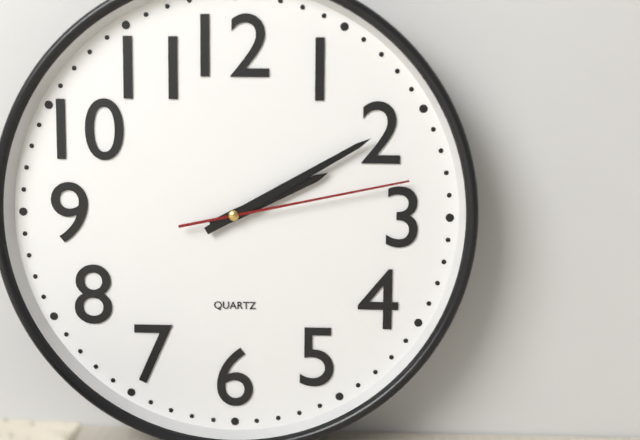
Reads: 2:10:13
